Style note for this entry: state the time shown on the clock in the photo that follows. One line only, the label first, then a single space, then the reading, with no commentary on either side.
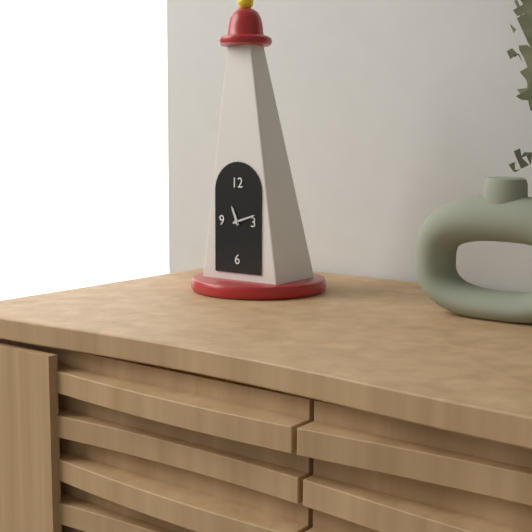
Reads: 11:12
